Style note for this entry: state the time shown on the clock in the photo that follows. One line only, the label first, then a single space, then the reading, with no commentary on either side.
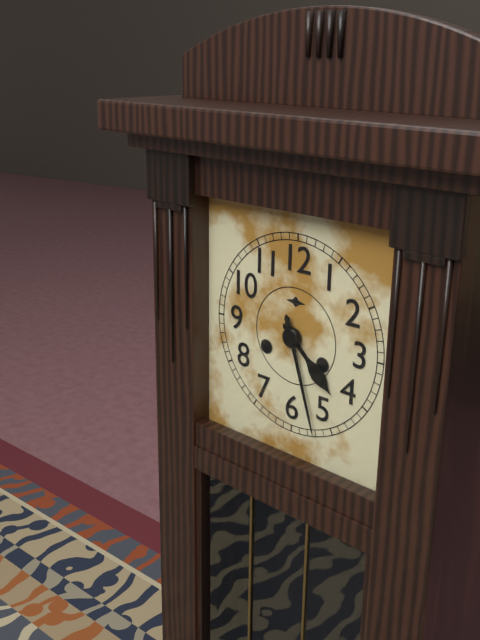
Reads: 4:27
